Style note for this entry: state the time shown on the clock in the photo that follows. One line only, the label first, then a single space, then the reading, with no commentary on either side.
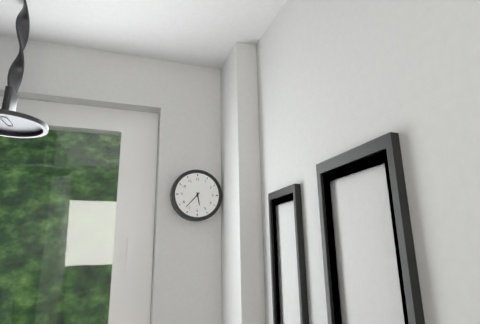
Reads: 5:37
